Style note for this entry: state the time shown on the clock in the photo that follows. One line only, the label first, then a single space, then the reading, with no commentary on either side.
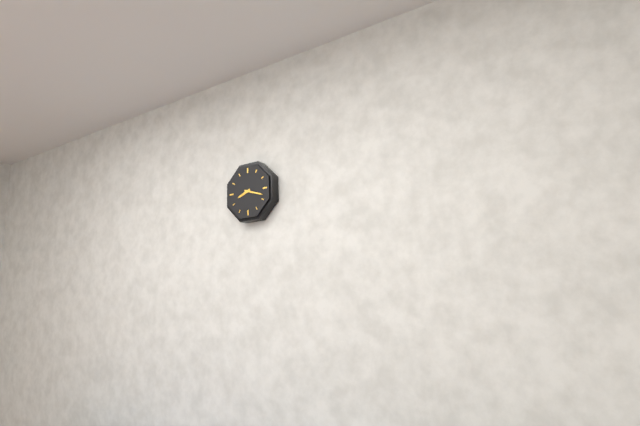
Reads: 8:18
